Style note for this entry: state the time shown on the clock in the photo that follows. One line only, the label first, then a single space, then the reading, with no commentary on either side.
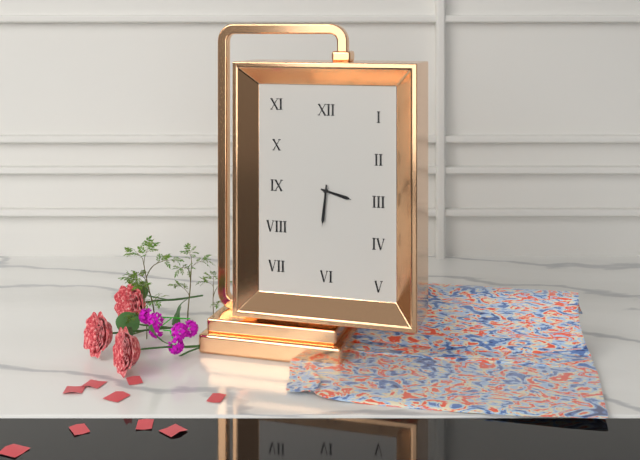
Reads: 3:31
